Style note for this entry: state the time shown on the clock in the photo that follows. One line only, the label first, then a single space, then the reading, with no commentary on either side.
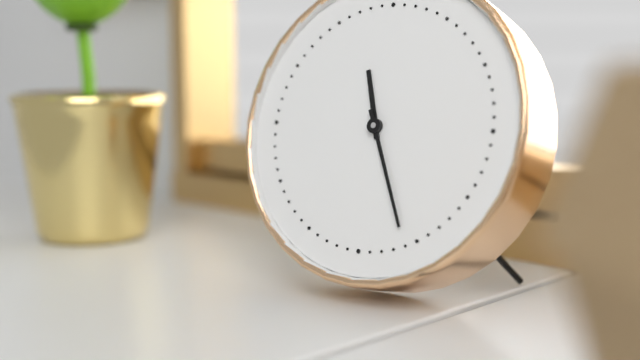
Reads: 11:26
